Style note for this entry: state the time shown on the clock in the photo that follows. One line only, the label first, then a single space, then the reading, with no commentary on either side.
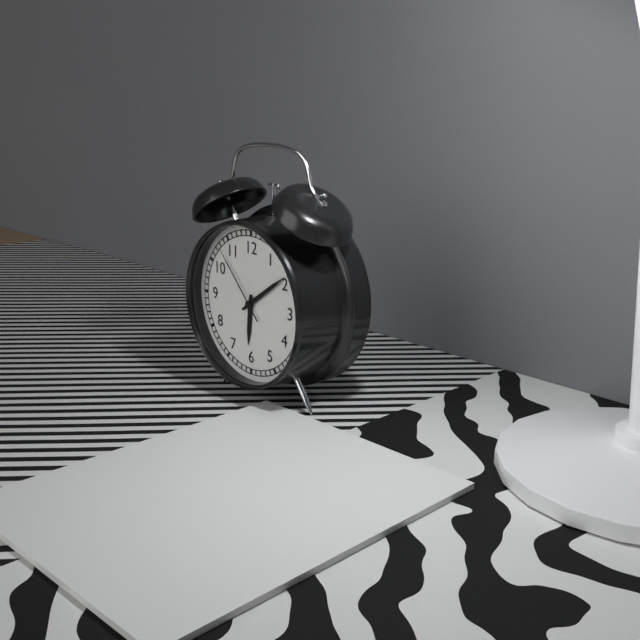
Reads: 6:09:53
